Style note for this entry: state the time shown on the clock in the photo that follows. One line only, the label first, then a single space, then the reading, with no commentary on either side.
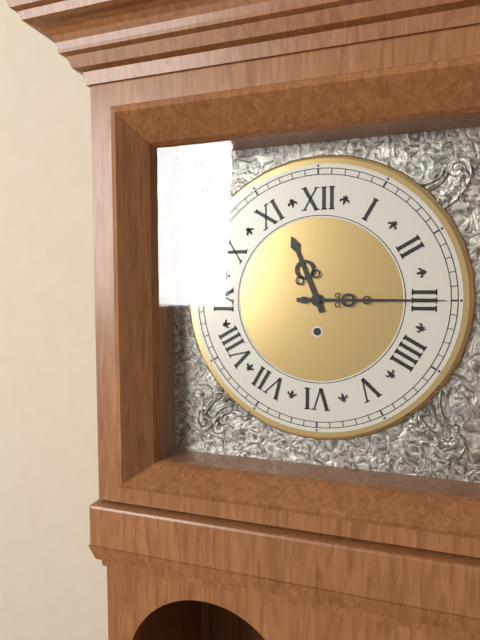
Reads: 11:15
